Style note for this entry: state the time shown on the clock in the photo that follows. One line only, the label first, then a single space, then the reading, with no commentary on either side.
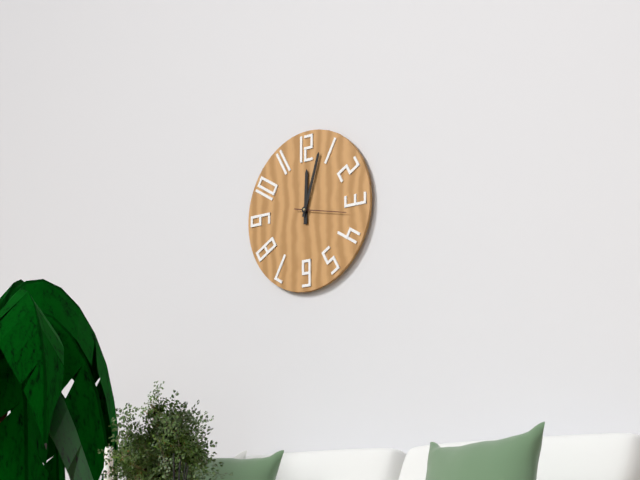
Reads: 12:03
